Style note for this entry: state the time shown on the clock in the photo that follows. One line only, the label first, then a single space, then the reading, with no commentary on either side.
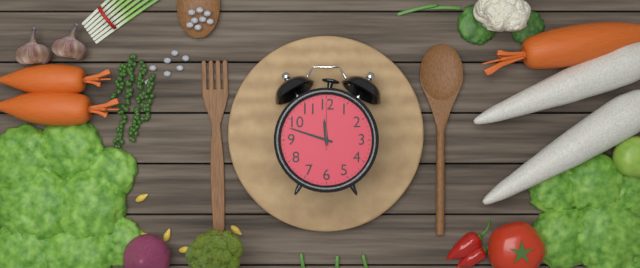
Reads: 11:48
